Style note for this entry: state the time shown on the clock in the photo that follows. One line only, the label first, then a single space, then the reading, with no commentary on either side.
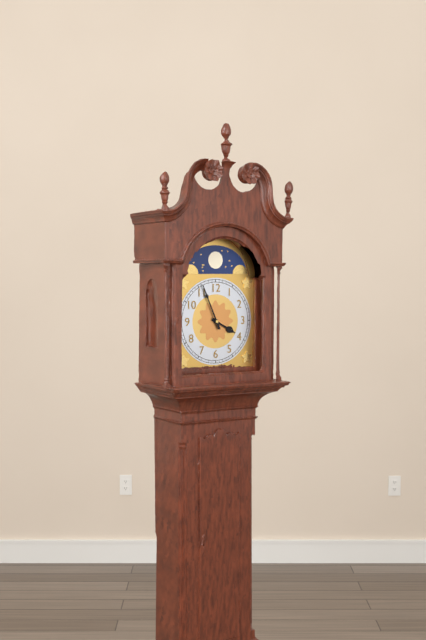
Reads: 3:56
